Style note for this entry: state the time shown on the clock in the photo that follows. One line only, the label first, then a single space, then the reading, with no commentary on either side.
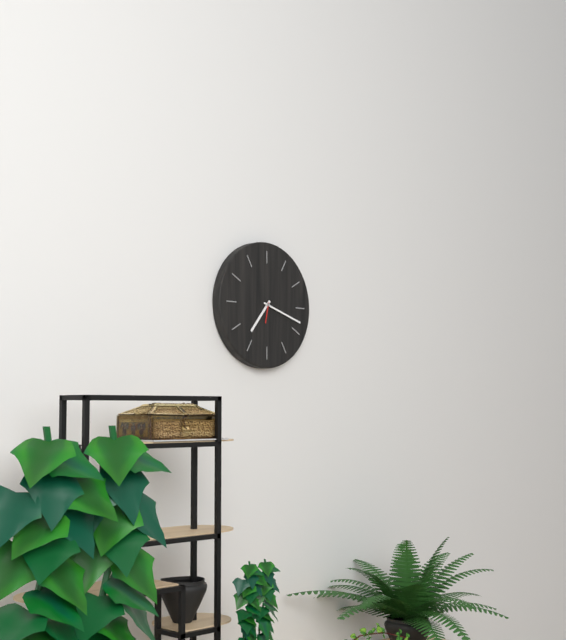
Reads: 7:18
